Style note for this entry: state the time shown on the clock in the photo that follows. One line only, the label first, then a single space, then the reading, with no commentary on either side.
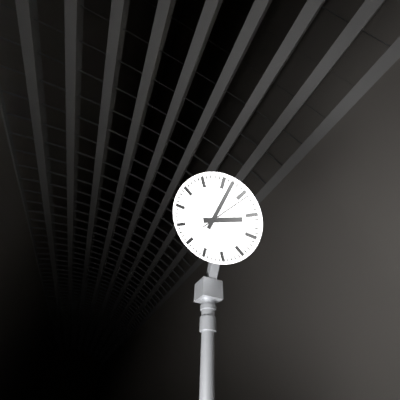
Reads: 4:12
